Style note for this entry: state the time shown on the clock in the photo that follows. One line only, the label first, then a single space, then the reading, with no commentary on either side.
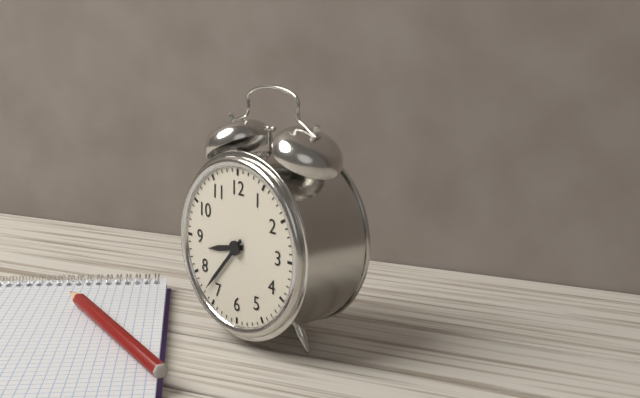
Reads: 8:37
